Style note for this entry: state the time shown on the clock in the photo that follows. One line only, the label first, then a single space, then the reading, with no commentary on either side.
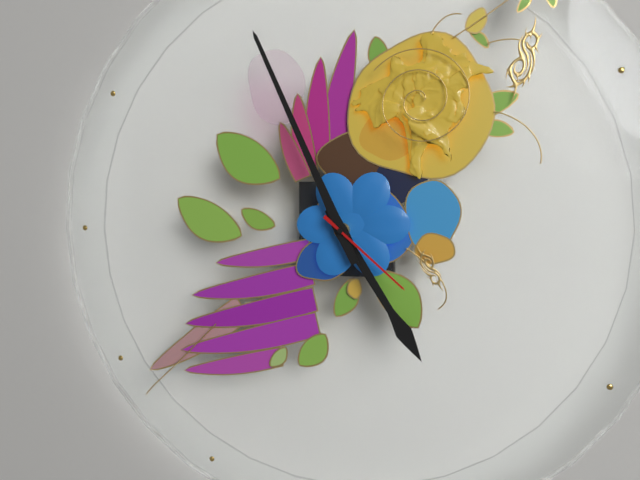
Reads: 4:56:22
